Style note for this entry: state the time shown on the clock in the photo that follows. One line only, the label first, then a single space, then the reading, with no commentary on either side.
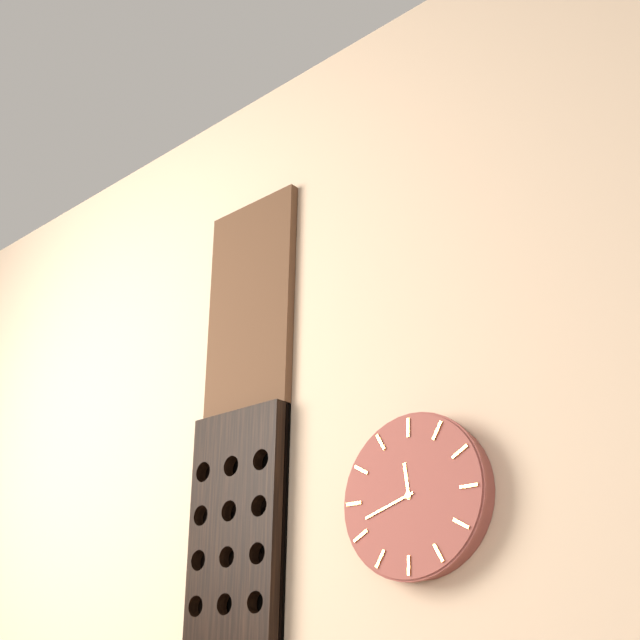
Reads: 11:42
